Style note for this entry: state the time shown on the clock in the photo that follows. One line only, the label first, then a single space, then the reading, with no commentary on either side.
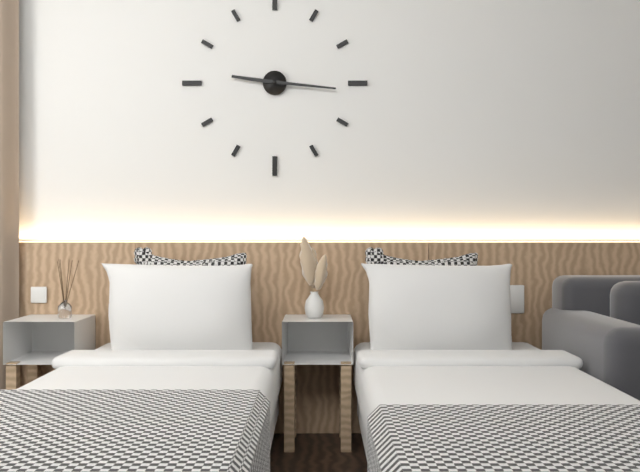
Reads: 9:16
